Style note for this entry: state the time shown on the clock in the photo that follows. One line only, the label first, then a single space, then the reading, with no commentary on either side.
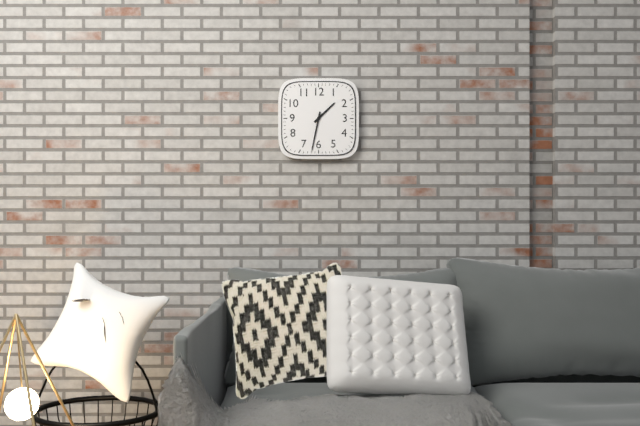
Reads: 1:32
